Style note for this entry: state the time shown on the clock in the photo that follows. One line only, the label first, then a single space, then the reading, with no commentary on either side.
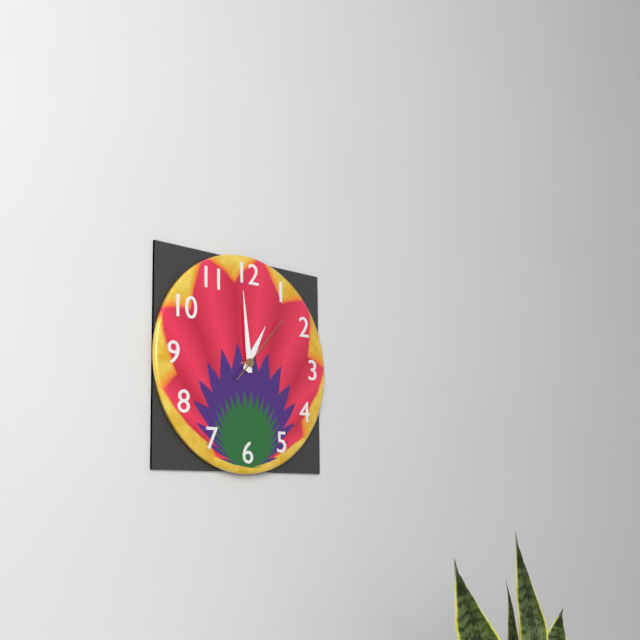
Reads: 12:59:07
